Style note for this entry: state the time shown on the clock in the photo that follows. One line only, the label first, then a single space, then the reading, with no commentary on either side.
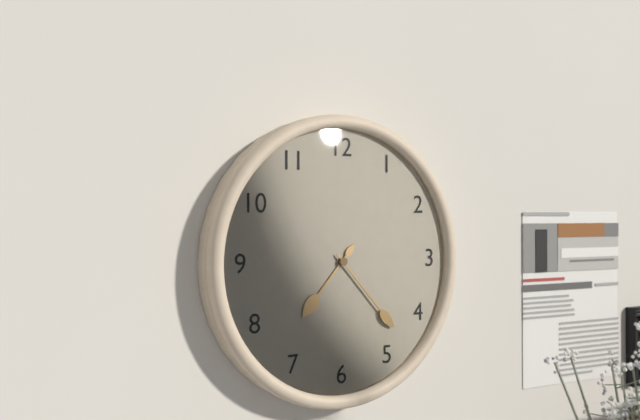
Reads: 7:23
